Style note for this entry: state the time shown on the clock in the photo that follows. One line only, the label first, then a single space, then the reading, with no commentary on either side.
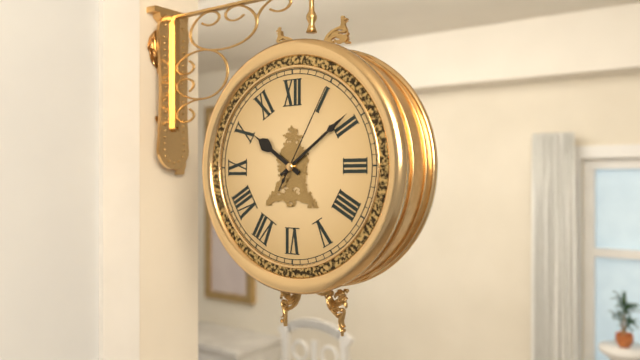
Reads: 10:09:05
